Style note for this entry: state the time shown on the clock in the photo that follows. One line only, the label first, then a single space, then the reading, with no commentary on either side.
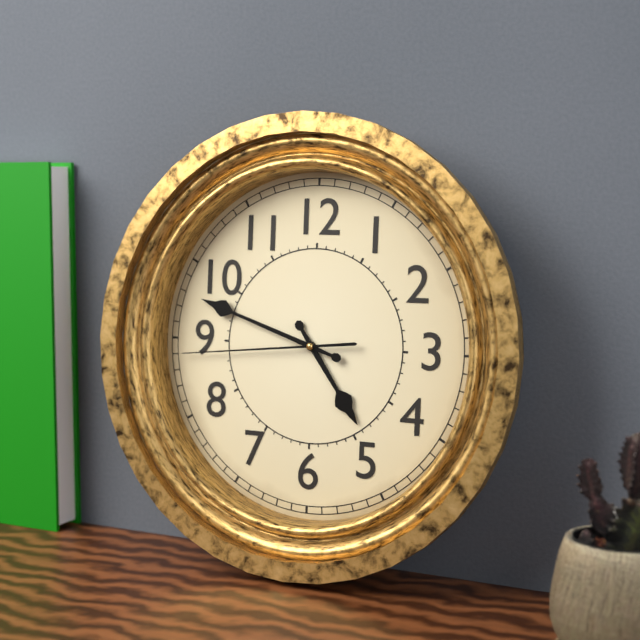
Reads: 4:48:44
